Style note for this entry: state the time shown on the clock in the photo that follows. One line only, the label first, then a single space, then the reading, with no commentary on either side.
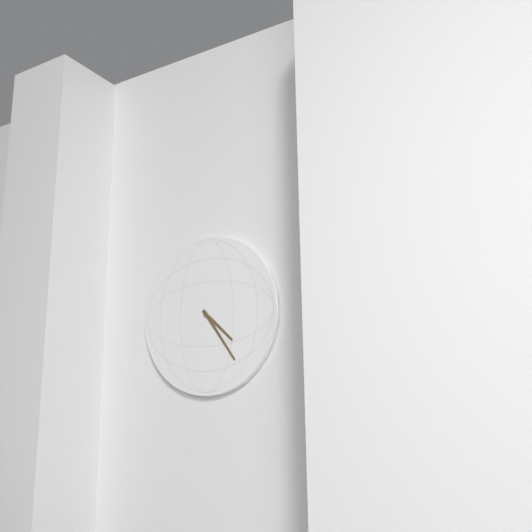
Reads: 4:24
